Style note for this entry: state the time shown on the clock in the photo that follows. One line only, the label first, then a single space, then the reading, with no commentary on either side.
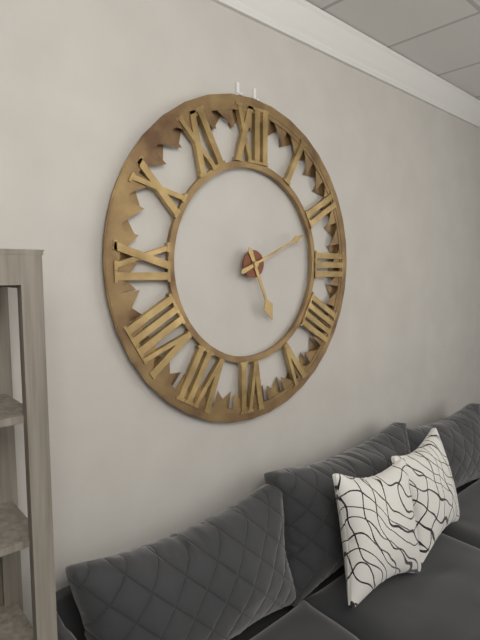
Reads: 5:11
